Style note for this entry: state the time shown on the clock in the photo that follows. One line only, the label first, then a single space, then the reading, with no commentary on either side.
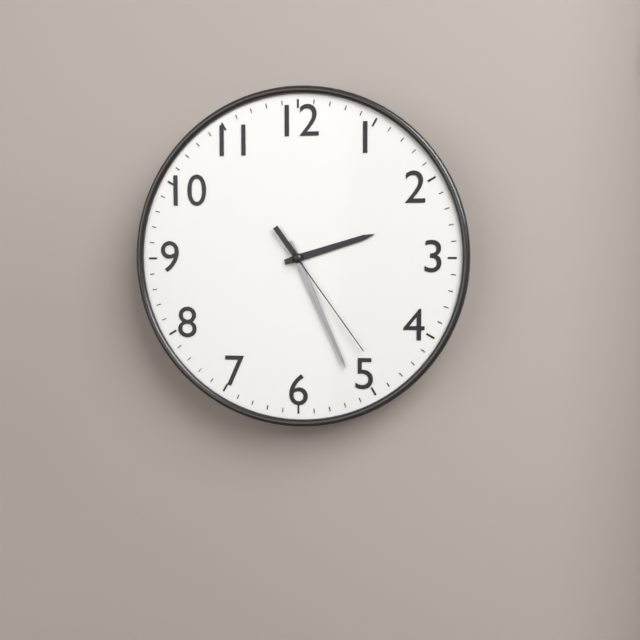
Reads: 2:26:24
